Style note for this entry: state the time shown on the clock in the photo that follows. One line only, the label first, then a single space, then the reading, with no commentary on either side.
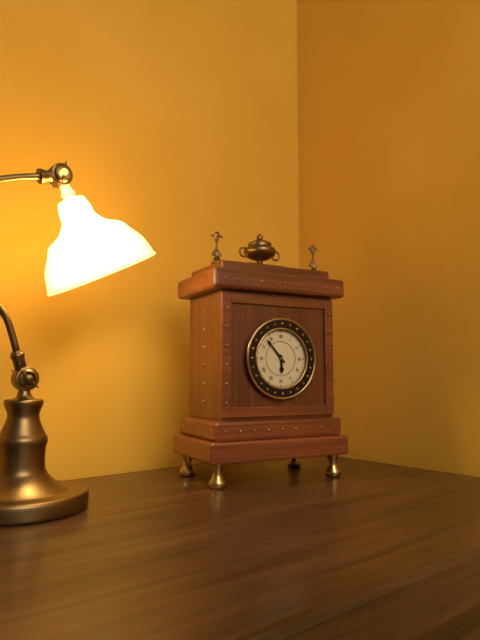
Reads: 5:53
